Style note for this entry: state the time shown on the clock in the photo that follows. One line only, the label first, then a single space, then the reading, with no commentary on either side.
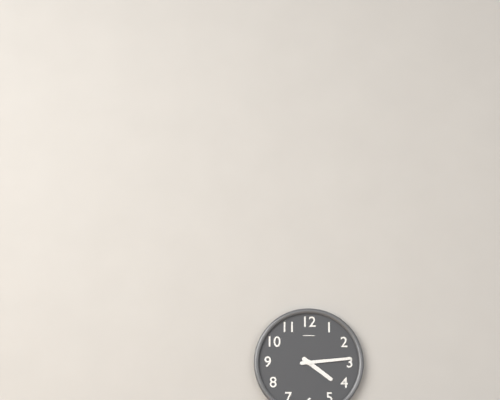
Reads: 4:14
